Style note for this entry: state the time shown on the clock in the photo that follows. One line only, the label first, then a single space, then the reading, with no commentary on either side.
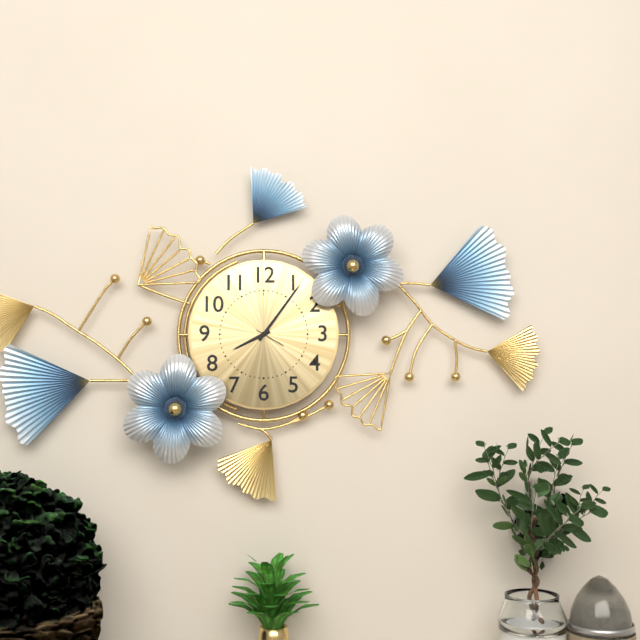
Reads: 8:06
